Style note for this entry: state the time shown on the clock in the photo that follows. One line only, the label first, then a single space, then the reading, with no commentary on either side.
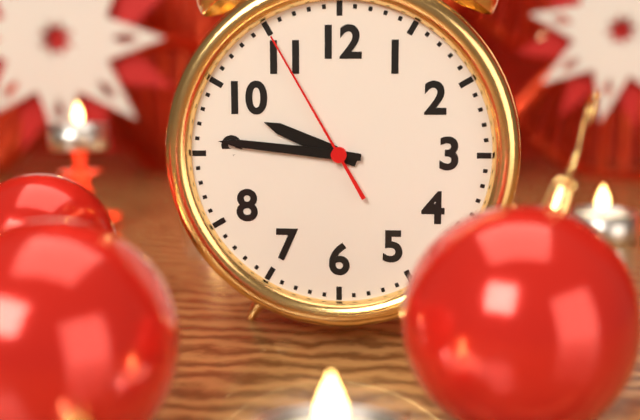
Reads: 9:46:55
